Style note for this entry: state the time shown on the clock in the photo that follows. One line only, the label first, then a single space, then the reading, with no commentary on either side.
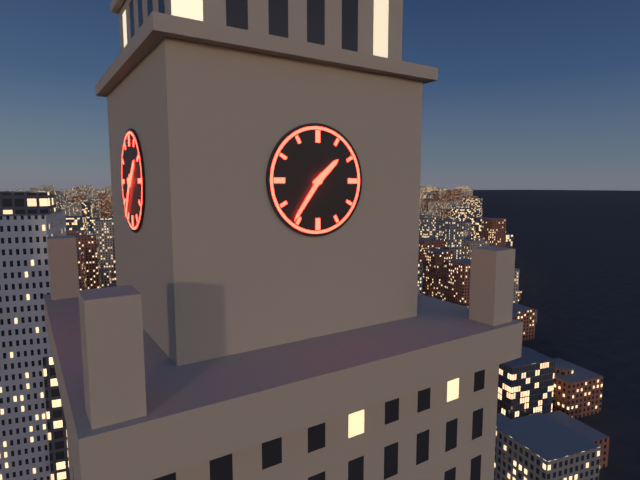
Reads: 1:36
